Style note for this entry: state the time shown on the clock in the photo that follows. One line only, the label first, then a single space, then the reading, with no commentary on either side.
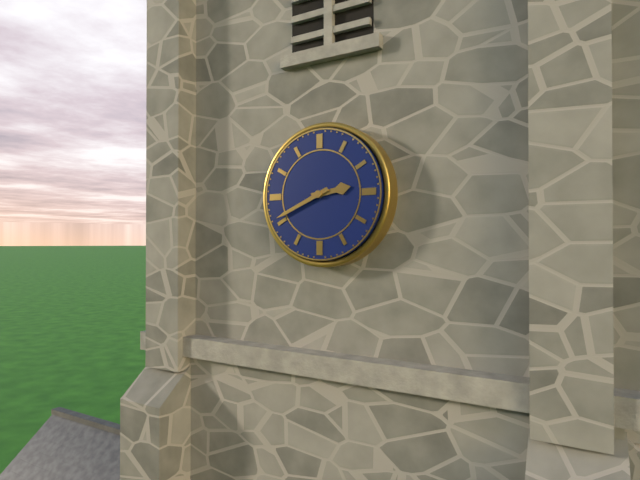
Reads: 2:41
